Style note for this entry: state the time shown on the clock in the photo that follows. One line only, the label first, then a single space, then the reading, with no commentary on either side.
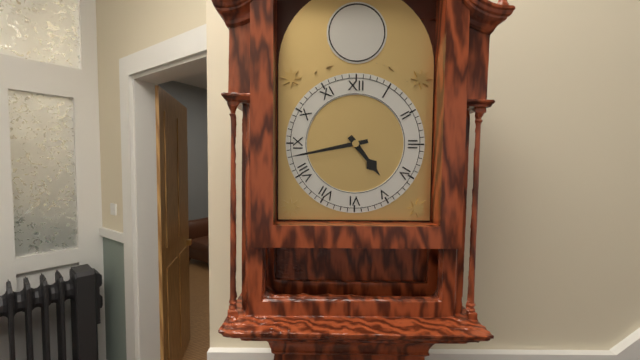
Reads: 4:43
